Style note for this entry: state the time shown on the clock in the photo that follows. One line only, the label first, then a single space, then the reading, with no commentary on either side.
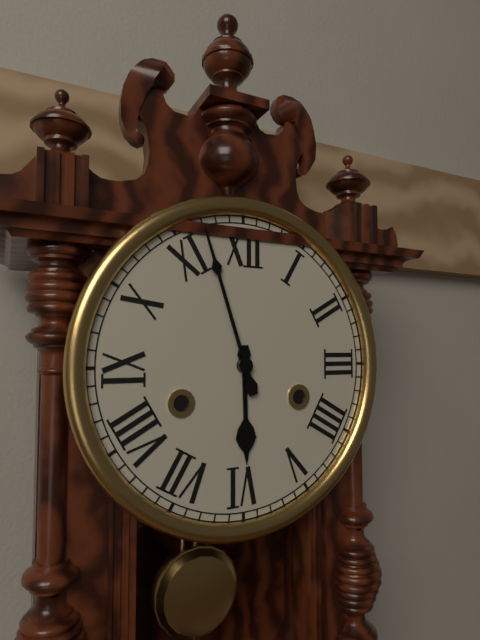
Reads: 5:57
